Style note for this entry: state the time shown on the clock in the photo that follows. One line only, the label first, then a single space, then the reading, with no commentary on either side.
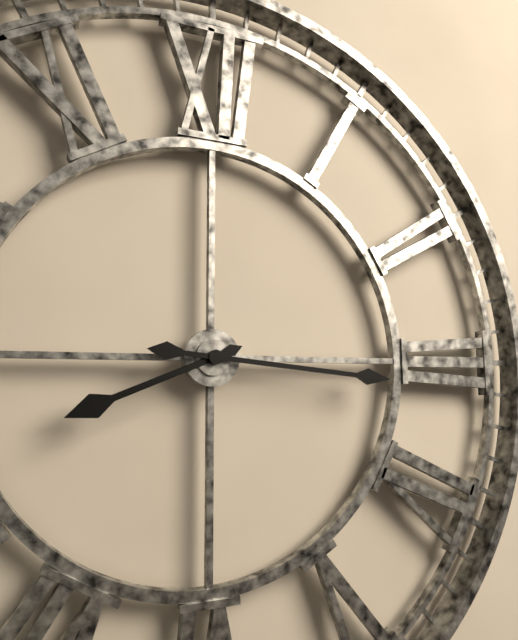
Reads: 8:16
